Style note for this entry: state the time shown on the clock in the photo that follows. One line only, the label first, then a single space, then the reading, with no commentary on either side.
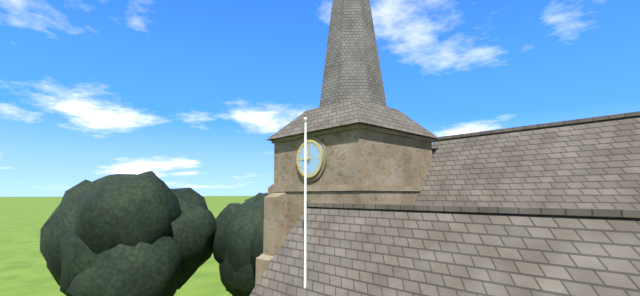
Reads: 9:00
